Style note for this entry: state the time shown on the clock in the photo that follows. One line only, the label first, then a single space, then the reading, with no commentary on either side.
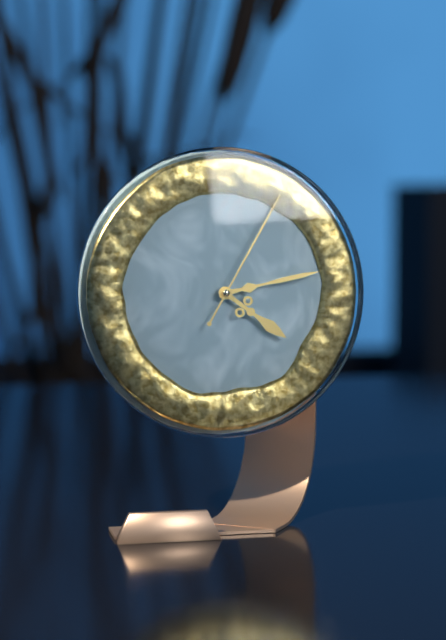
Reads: 4:13:05
